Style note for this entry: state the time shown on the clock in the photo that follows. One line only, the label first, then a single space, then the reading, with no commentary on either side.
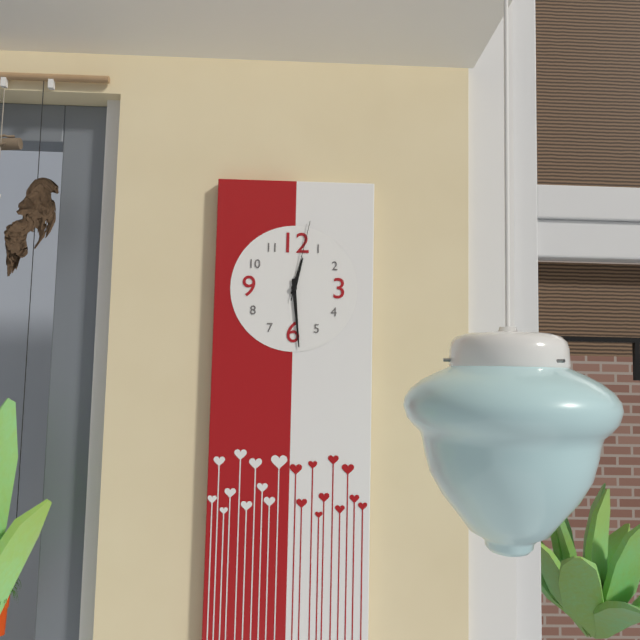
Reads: 12:29:02
